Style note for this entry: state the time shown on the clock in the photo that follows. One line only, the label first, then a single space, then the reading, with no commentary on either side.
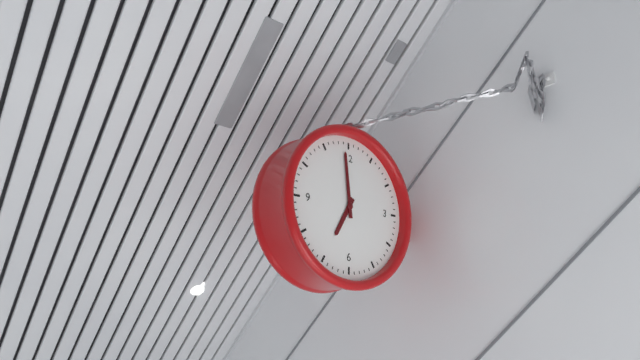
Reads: 6:59
